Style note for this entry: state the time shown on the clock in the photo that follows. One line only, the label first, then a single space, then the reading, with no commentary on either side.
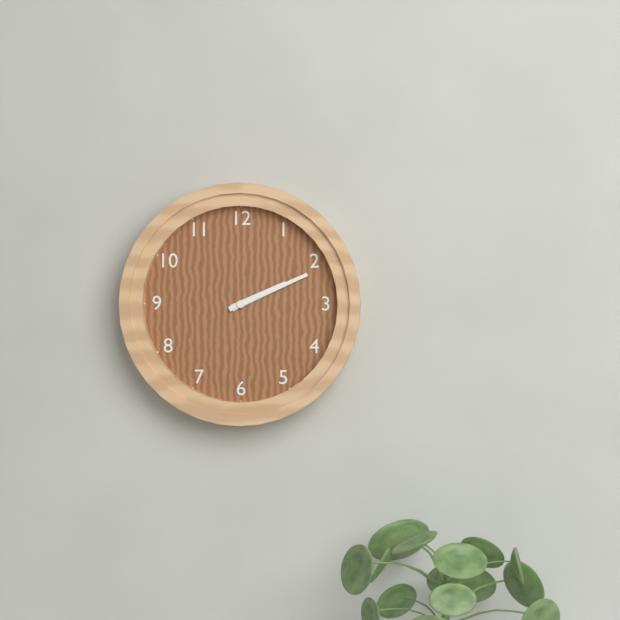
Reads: 2:11
